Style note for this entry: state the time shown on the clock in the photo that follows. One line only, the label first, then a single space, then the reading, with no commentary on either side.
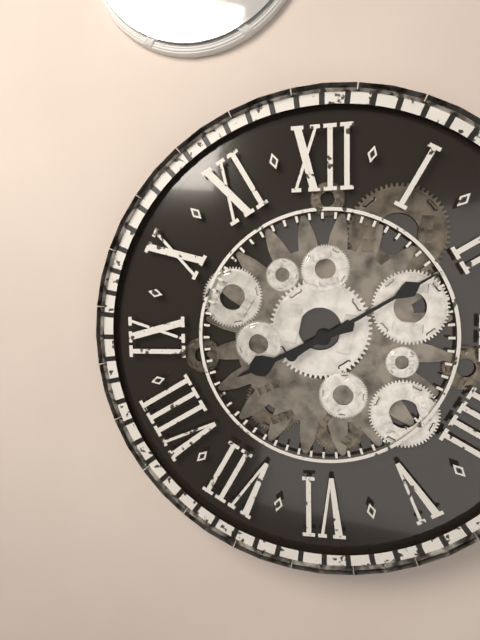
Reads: 8:10
